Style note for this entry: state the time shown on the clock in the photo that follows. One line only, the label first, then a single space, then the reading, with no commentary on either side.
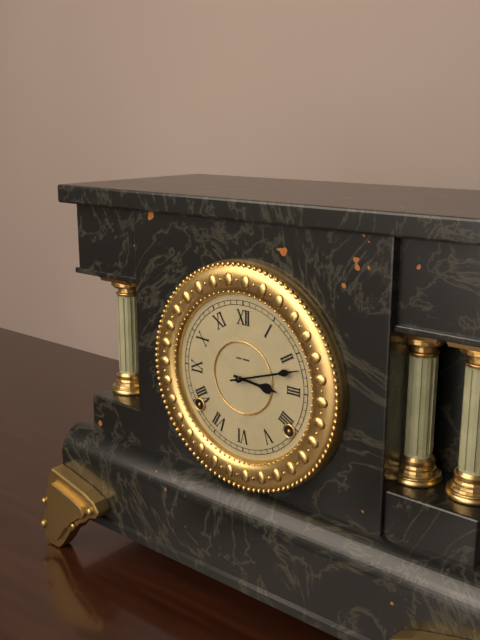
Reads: 3:12
